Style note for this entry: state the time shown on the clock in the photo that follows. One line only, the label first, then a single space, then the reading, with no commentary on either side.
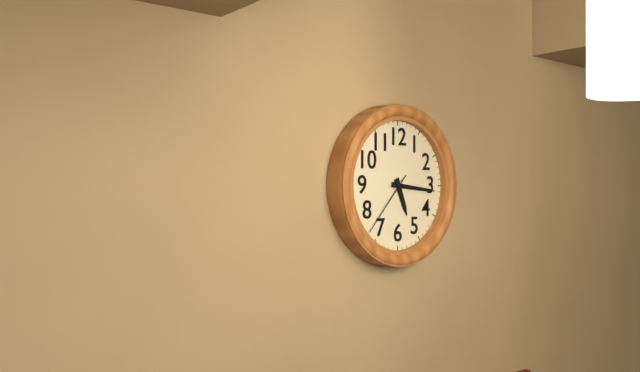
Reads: 5:16:37
